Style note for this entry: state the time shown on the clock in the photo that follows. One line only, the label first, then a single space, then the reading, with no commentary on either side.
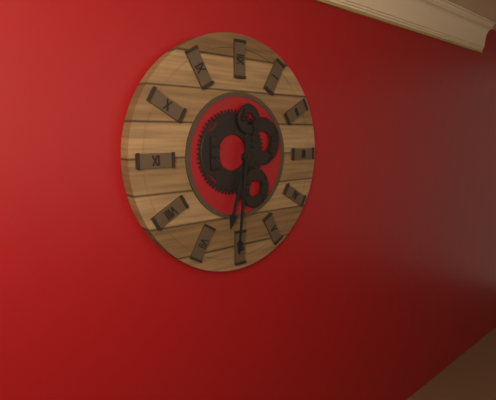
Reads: 6:31
